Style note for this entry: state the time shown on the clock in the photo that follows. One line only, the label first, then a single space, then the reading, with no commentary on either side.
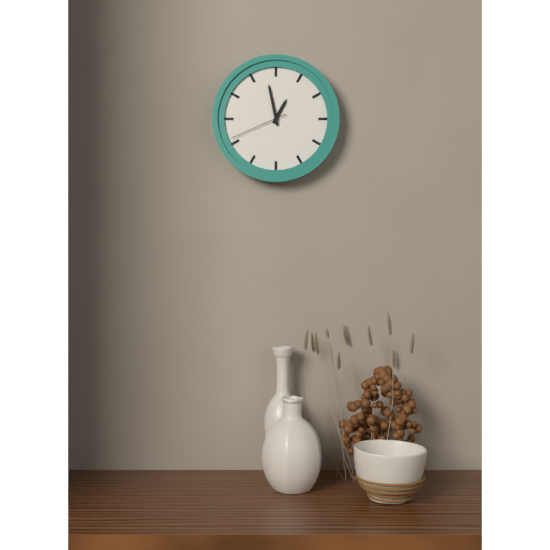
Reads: 12:58:41
